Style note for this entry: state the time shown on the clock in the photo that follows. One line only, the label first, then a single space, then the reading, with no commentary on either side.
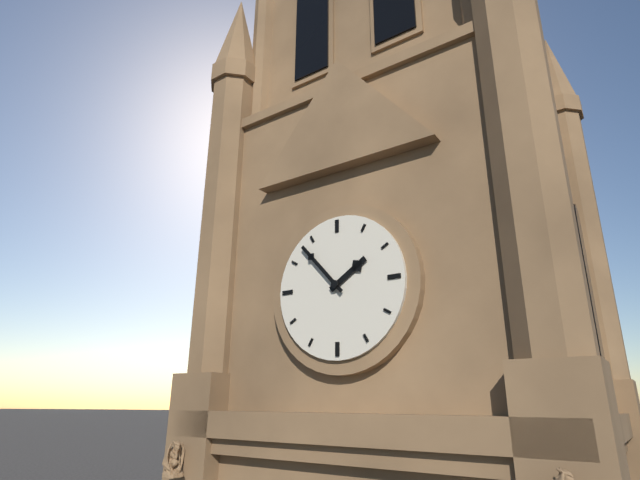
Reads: 1:53
